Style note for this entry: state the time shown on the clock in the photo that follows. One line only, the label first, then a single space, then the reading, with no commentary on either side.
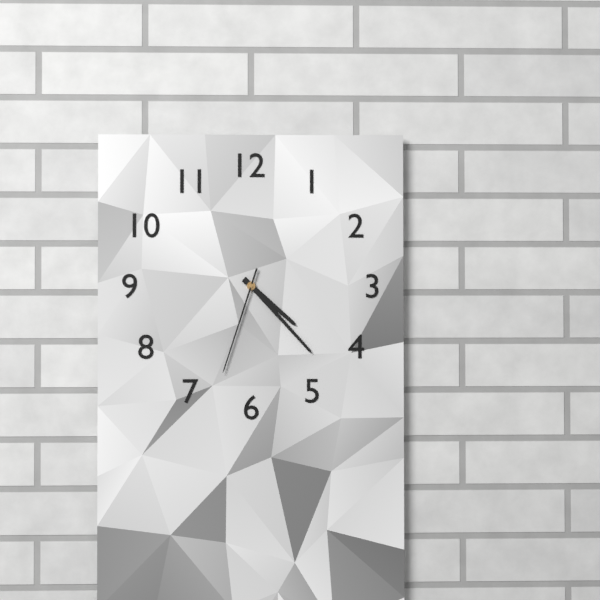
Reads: 4:23:33
